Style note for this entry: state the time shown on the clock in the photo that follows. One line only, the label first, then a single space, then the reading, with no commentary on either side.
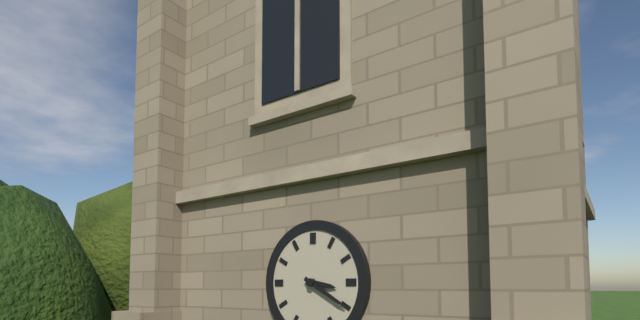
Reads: 3:20
